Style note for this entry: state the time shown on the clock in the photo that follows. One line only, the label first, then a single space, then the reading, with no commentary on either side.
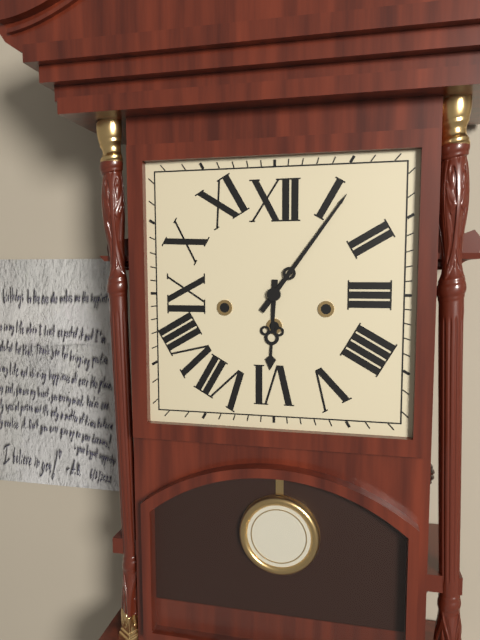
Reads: 6:06
